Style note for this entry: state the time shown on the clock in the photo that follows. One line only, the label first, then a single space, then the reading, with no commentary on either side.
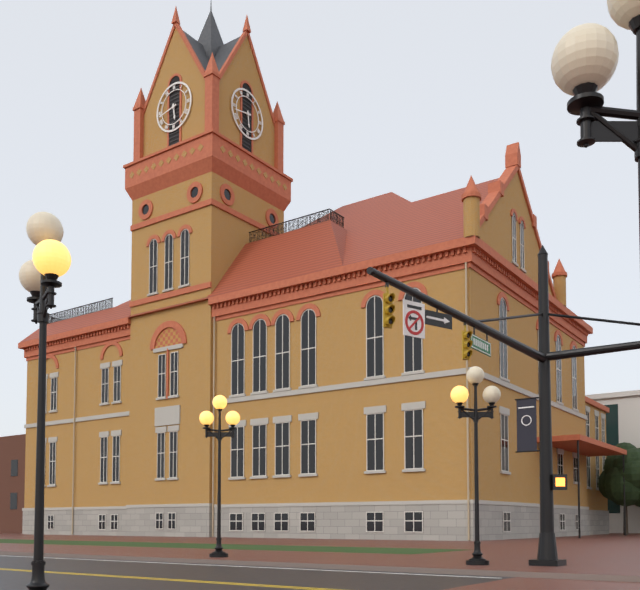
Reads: 5:43
